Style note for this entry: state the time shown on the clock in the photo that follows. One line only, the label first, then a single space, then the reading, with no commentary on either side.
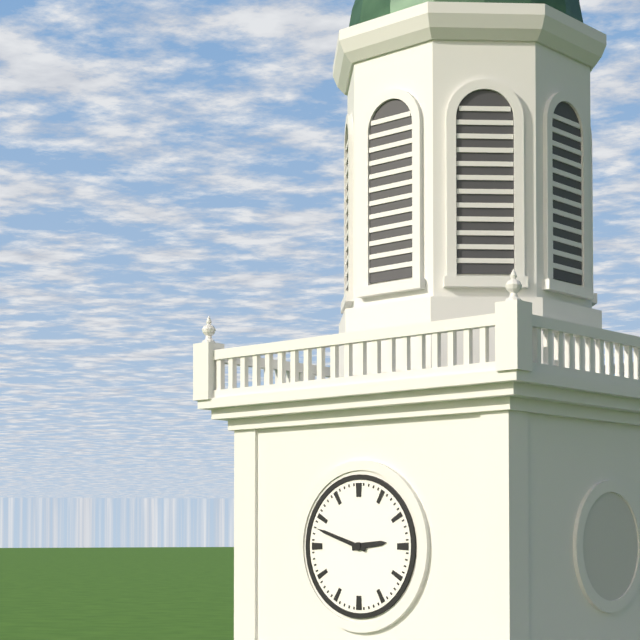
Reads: 2:48
